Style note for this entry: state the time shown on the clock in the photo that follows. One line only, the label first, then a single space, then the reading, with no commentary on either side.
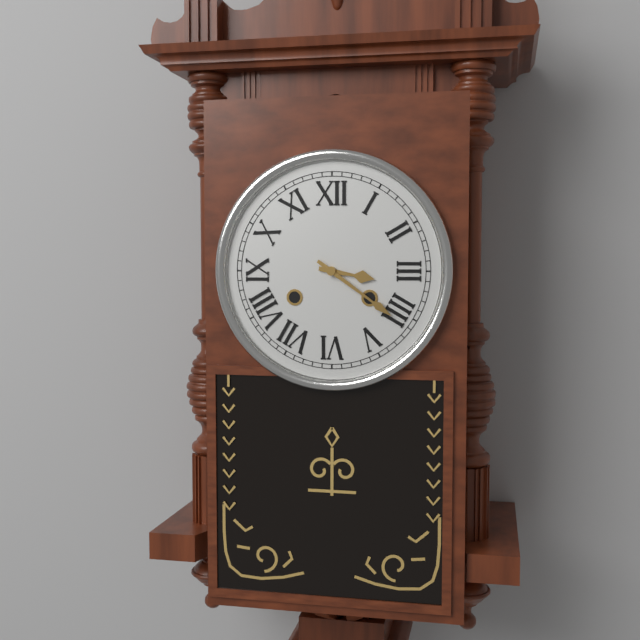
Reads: 3:21
